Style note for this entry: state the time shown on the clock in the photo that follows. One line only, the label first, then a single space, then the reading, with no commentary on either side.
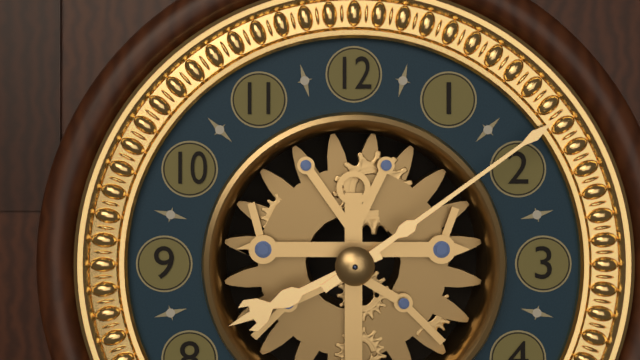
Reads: 8:09
